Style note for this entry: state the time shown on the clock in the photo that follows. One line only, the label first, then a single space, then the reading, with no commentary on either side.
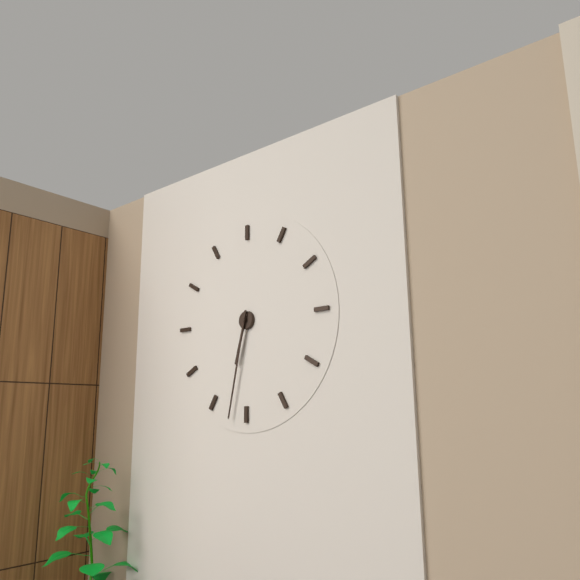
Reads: 6:32
